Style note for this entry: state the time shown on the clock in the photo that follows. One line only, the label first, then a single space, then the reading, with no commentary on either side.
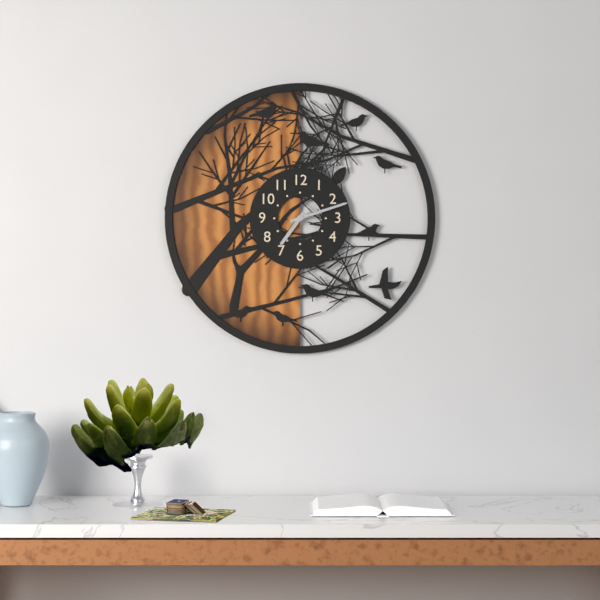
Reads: 7:12
